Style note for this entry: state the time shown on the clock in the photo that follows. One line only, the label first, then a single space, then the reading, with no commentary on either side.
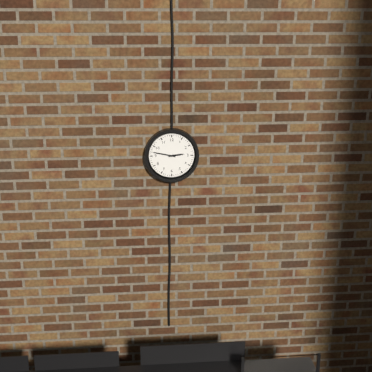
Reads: 2:47
